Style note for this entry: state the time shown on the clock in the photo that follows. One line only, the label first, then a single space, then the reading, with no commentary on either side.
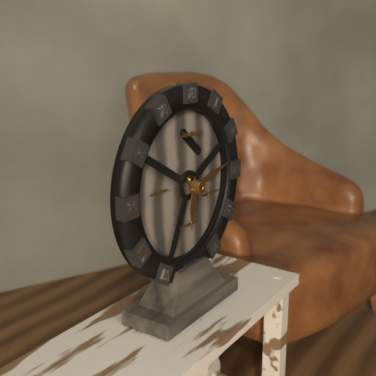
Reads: 6:13
